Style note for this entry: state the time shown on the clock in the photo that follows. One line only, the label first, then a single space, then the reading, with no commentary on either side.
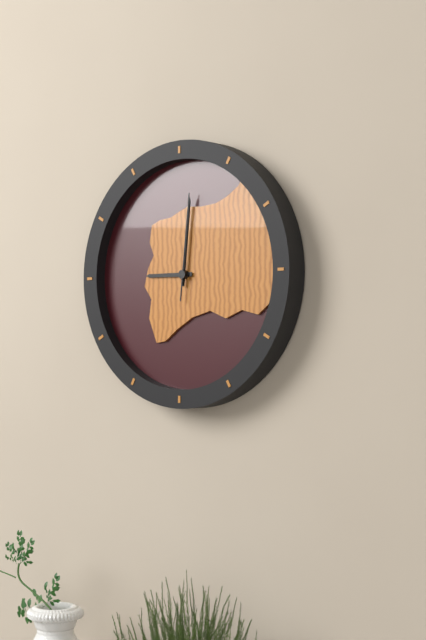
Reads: 9:01:01
